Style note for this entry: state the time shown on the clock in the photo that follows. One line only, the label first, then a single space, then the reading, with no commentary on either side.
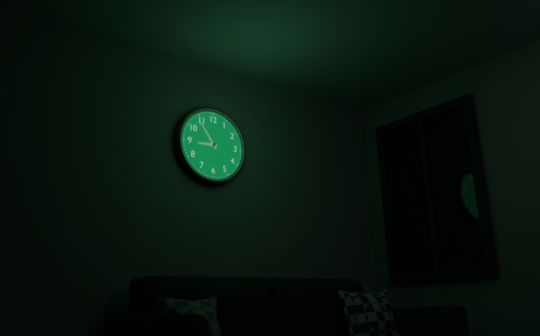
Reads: 8:54
